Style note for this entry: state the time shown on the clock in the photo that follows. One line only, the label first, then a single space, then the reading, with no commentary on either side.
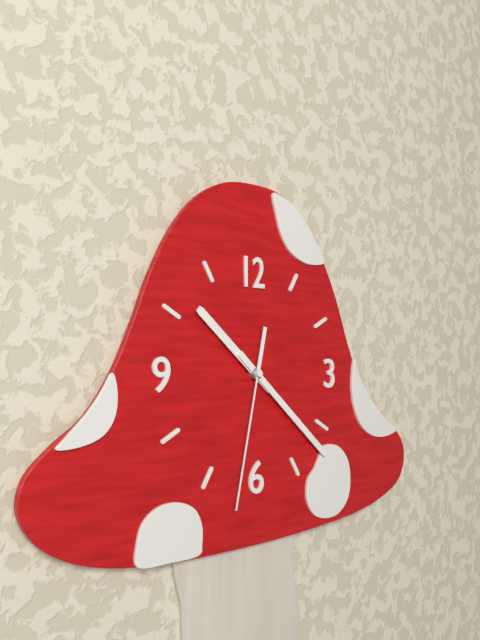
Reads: 10:22:32
